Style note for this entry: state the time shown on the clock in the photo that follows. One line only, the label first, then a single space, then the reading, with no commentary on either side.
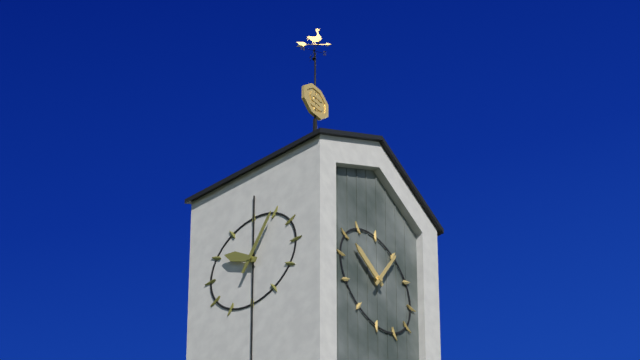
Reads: 10:05
